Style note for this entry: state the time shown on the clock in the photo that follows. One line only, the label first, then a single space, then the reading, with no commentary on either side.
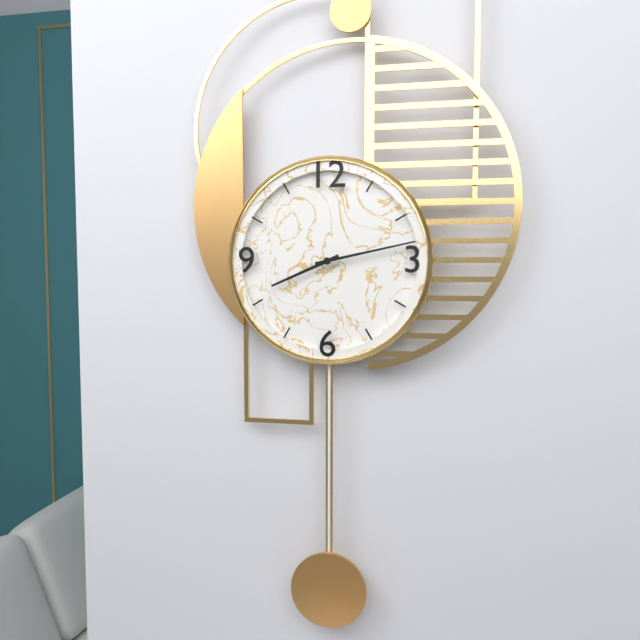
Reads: 8:13
